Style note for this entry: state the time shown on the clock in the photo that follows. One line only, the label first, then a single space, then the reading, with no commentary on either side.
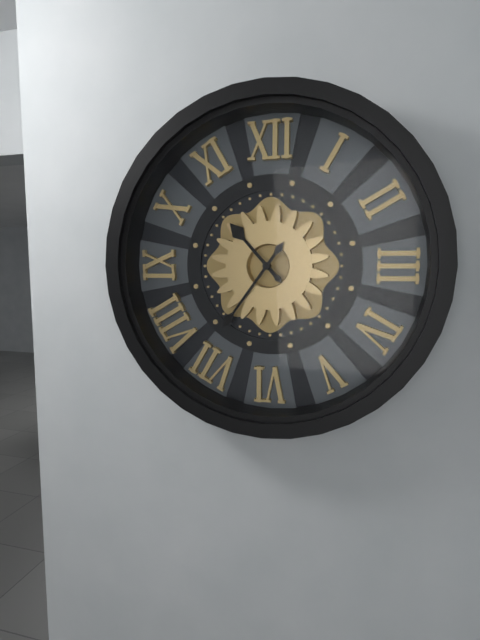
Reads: 10:36
